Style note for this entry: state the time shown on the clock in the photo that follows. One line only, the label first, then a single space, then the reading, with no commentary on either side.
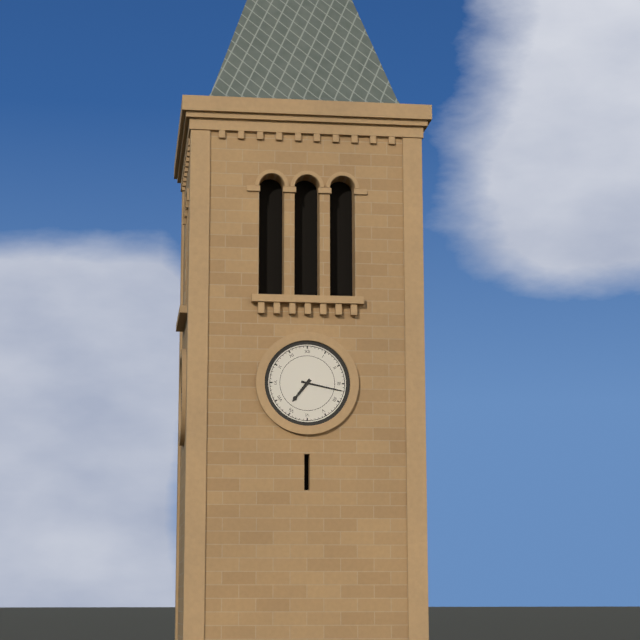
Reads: 7:17
